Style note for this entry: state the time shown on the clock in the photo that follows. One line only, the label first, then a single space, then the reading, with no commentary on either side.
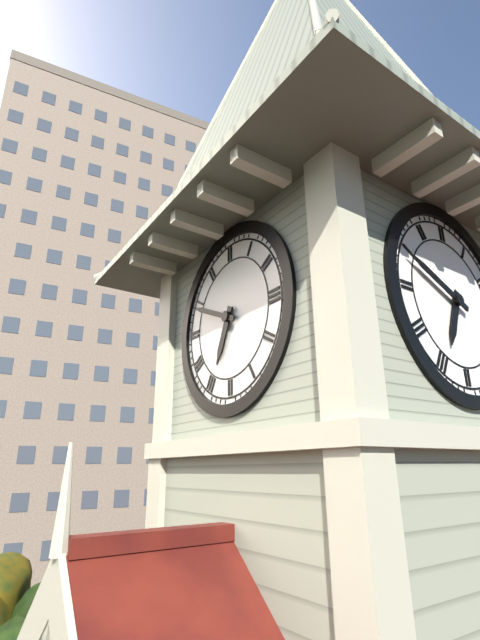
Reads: 6:49
